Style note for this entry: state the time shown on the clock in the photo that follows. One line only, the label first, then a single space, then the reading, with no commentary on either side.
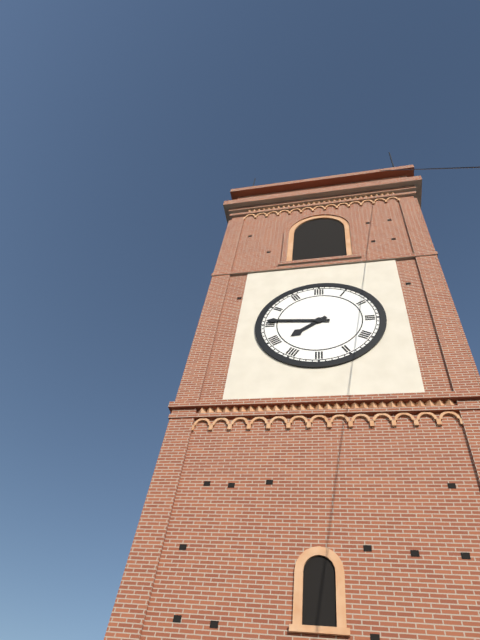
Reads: 7:46
